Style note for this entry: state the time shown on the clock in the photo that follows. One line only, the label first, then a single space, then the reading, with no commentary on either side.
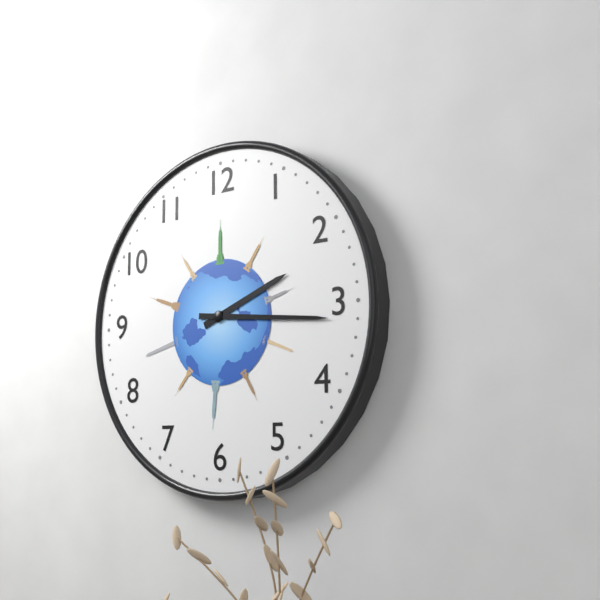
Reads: 2:16
